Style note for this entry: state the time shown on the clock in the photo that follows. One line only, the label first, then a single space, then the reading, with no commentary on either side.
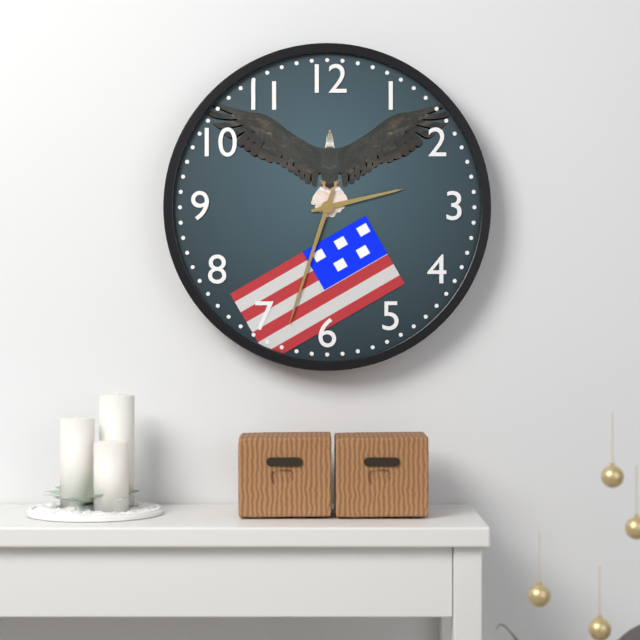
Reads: 2:33
